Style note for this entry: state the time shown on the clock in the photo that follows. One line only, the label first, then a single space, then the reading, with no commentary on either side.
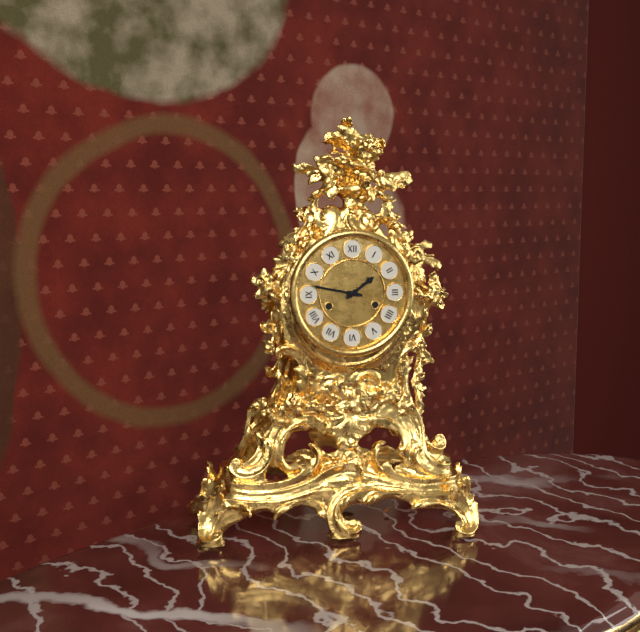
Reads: 1:47
